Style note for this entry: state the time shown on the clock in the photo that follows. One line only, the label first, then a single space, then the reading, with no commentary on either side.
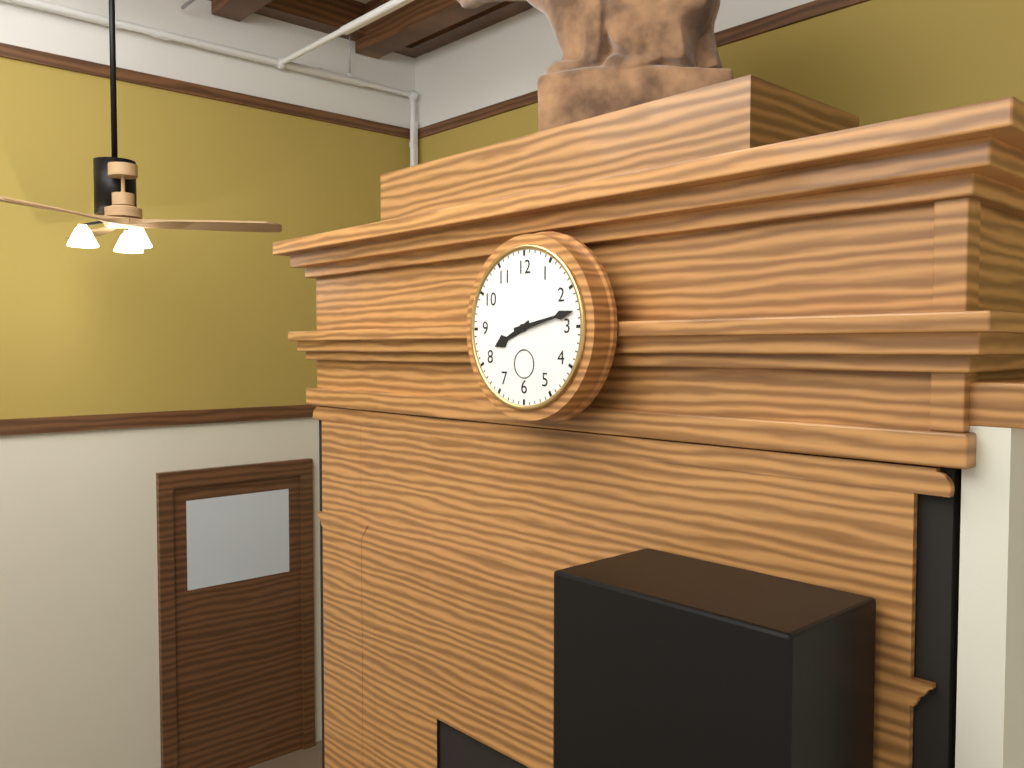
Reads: 8:13
